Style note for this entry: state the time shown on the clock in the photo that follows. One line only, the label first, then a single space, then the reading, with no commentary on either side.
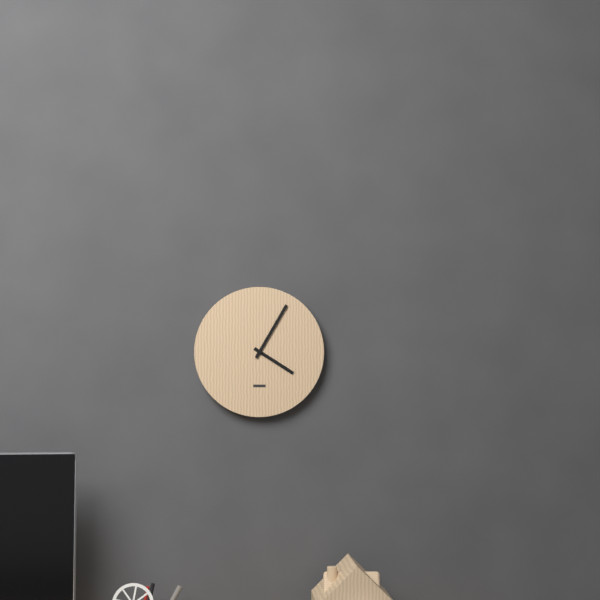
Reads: 4:05
